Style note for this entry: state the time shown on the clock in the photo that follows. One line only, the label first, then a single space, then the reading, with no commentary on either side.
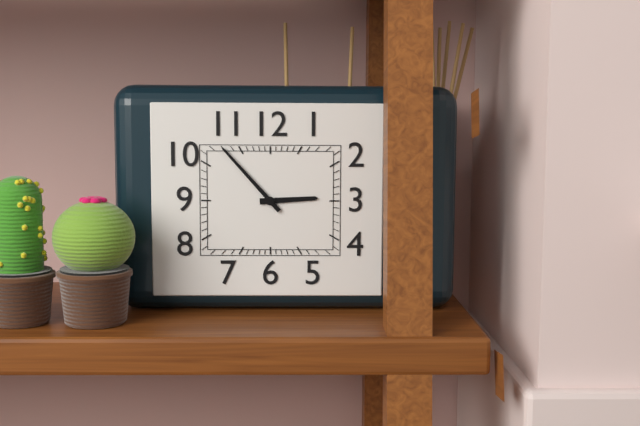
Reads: 2:53
